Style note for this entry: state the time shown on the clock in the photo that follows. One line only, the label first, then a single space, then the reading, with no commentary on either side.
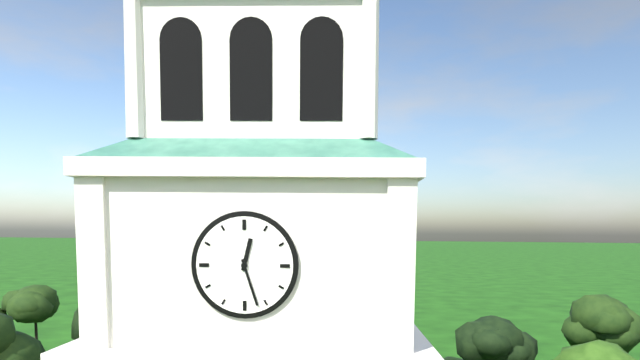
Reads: 12:27
